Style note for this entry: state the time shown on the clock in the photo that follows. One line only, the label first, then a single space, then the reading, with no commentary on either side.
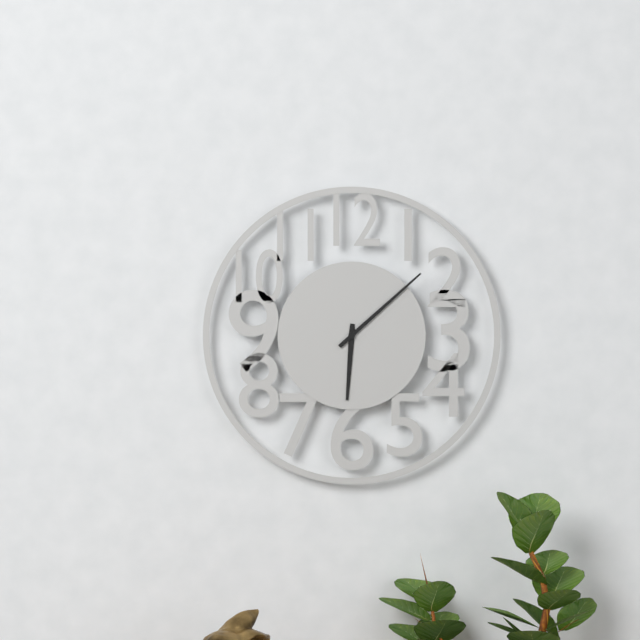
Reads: 6:08
